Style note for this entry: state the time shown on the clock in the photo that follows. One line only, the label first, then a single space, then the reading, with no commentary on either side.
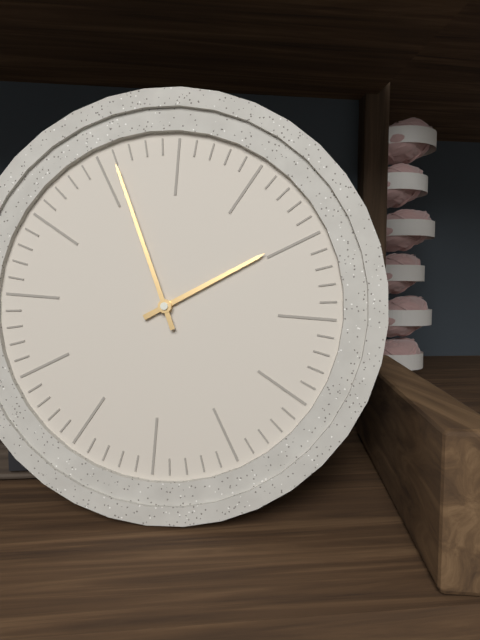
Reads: 1:56
